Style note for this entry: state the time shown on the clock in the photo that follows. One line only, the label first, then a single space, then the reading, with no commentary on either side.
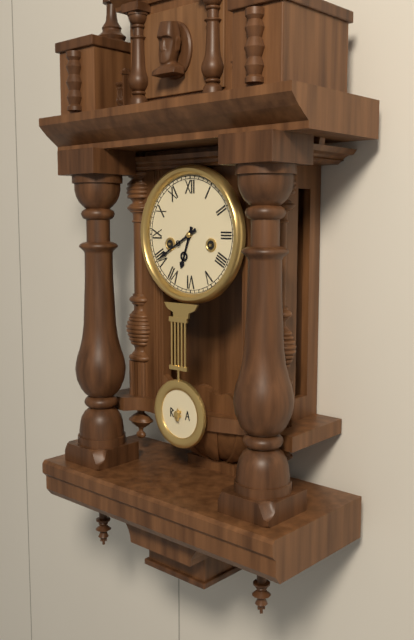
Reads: 6:40
